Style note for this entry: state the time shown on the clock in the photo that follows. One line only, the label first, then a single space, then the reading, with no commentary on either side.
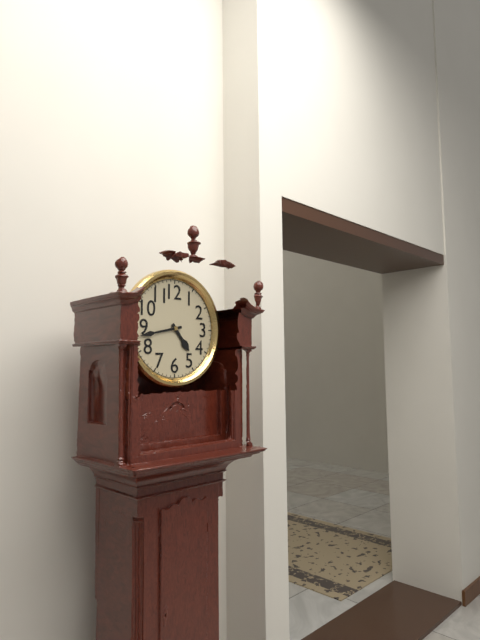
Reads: 4:43
